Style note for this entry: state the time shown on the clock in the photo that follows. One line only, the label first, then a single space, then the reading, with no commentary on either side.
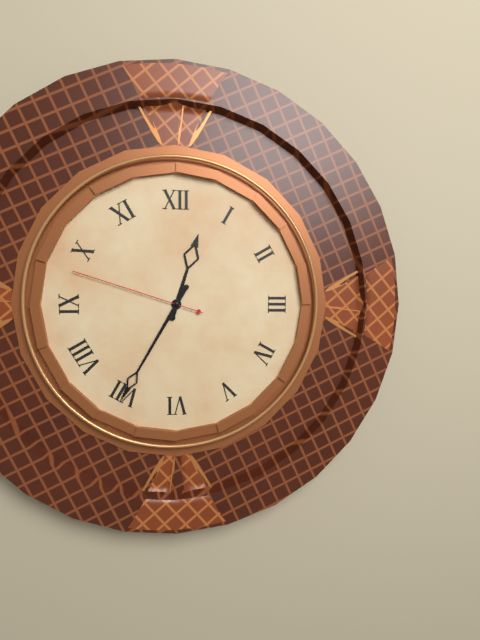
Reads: 12:35:48
